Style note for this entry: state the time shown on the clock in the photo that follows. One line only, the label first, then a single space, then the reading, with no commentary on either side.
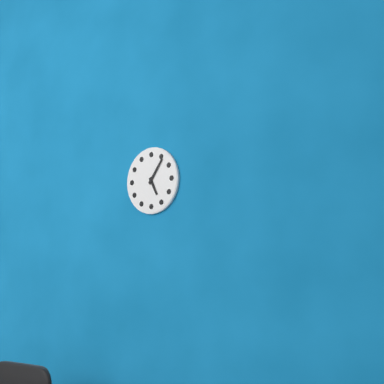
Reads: 5:06
